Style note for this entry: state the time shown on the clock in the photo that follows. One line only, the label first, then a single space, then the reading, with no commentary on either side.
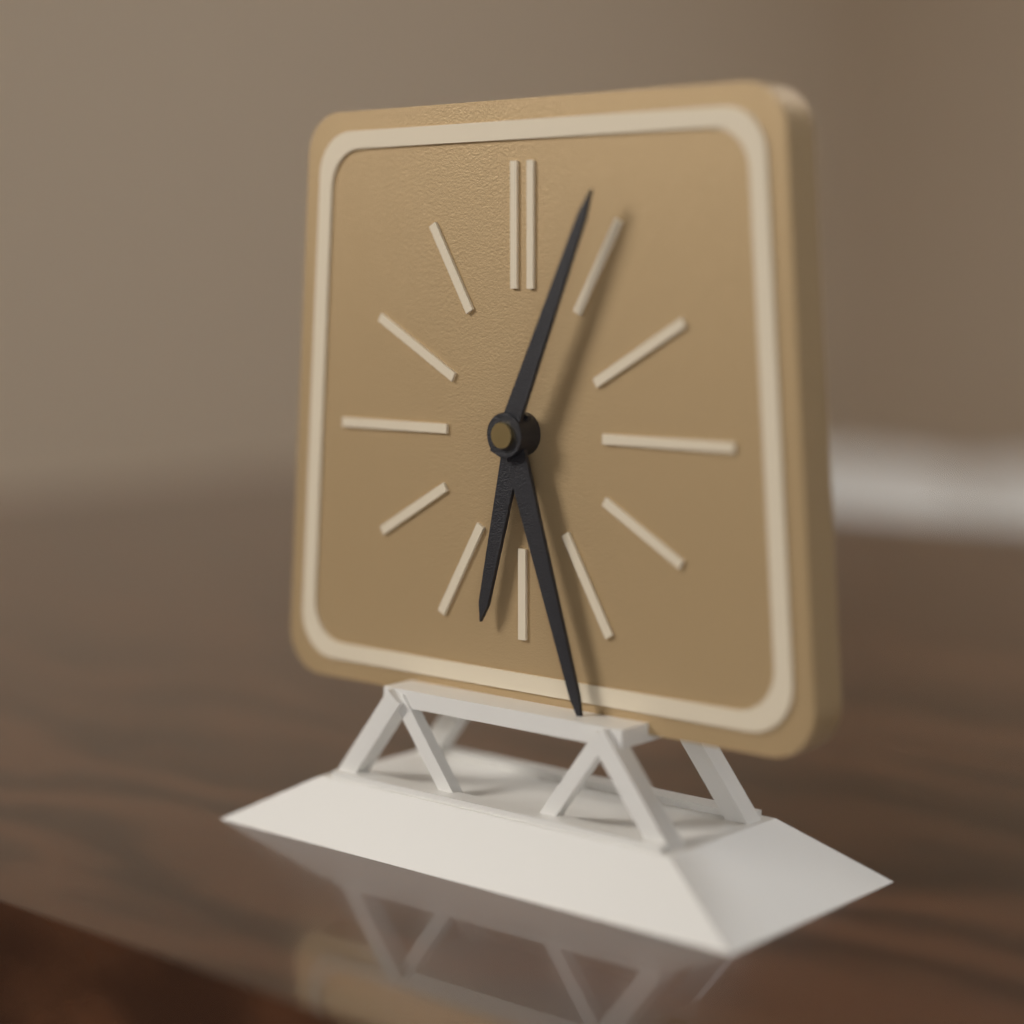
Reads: 6:27:04
